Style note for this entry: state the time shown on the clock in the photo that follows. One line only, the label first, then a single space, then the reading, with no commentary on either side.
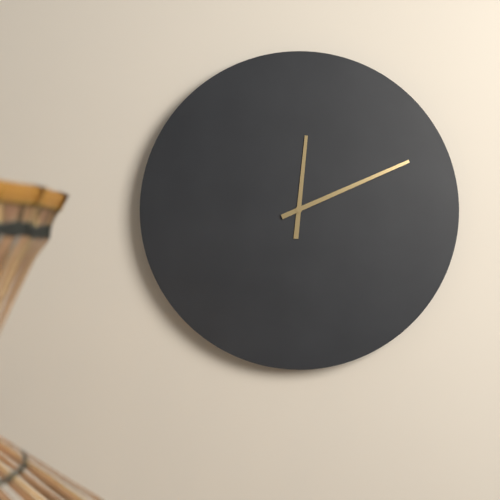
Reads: 12:11
